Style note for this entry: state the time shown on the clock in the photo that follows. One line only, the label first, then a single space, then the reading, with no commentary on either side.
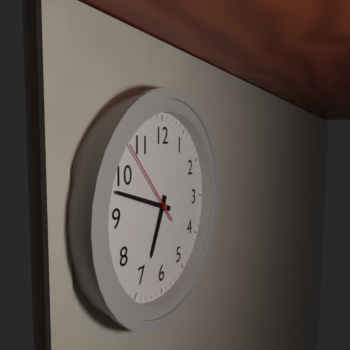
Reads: 6:48:53
